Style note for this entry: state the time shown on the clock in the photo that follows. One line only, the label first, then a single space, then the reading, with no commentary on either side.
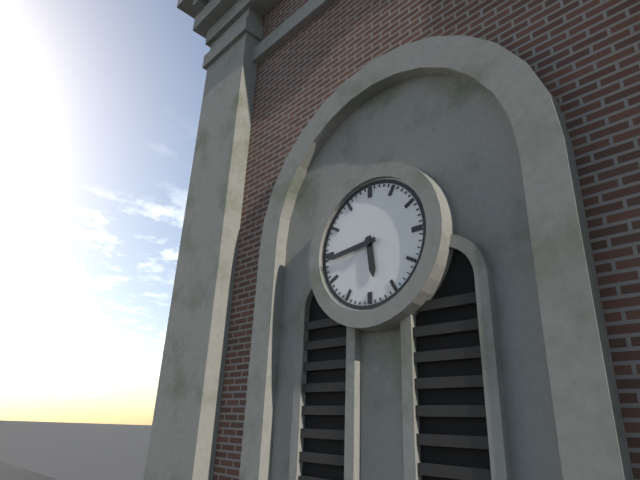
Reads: 5:44
